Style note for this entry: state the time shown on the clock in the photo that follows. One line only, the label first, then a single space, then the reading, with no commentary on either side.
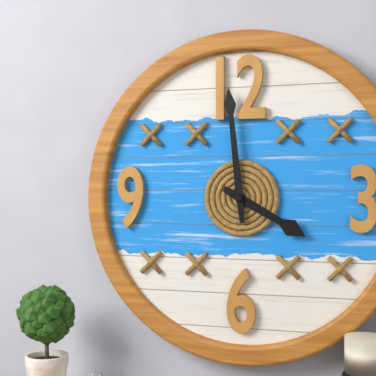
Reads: 3:59
